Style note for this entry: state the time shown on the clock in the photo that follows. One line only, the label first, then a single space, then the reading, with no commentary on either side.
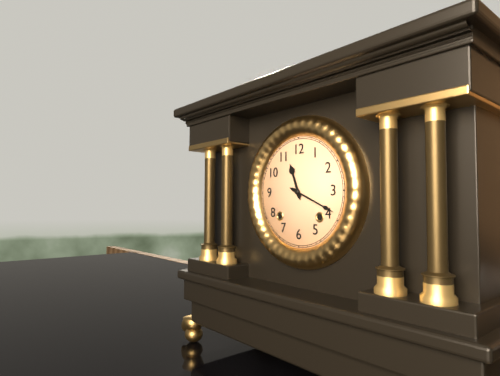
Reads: 11:19
